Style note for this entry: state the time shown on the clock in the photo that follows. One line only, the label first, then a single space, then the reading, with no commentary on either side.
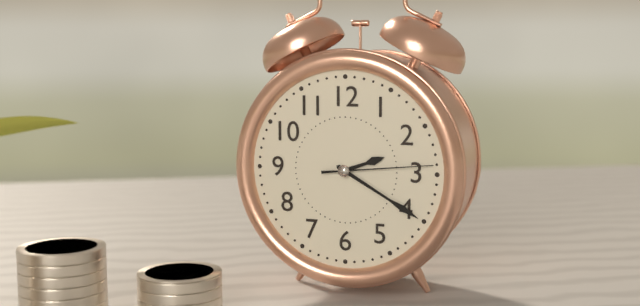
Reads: 2:20:14
